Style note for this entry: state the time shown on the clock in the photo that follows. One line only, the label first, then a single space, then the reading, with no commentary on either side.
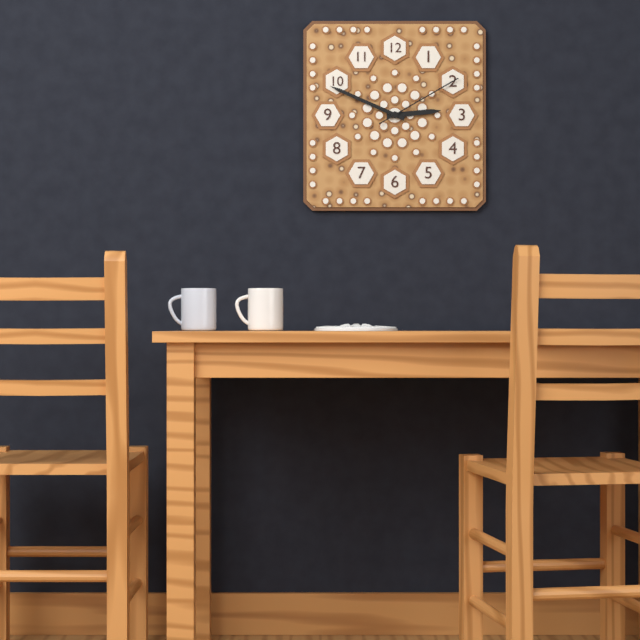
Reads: 2:49:10
